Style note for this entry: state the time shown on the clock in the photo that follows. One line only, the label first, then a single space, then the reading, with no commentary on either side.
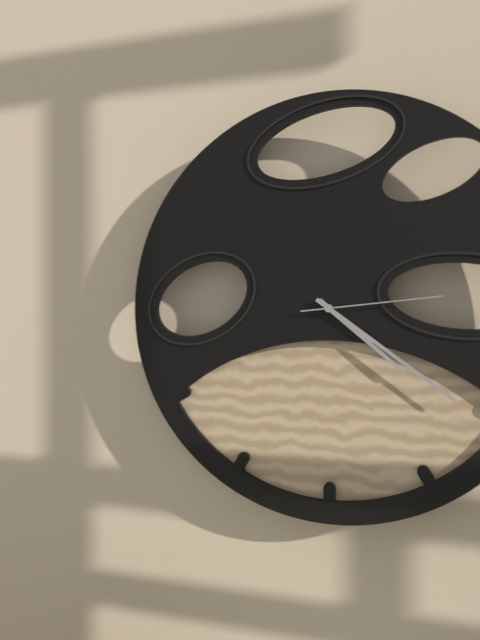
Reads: 4:21:14
